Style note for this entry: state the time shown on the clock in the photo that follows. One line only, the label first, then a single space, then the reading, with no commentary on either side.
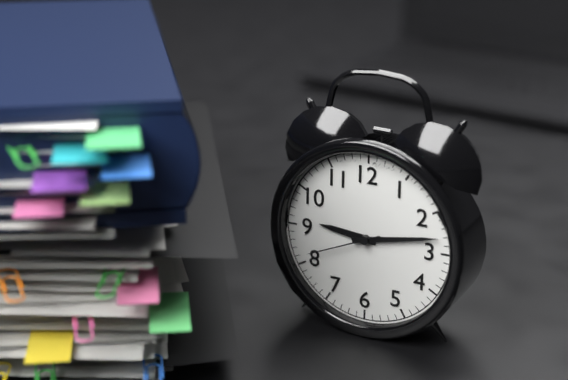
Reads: 9:13:41
